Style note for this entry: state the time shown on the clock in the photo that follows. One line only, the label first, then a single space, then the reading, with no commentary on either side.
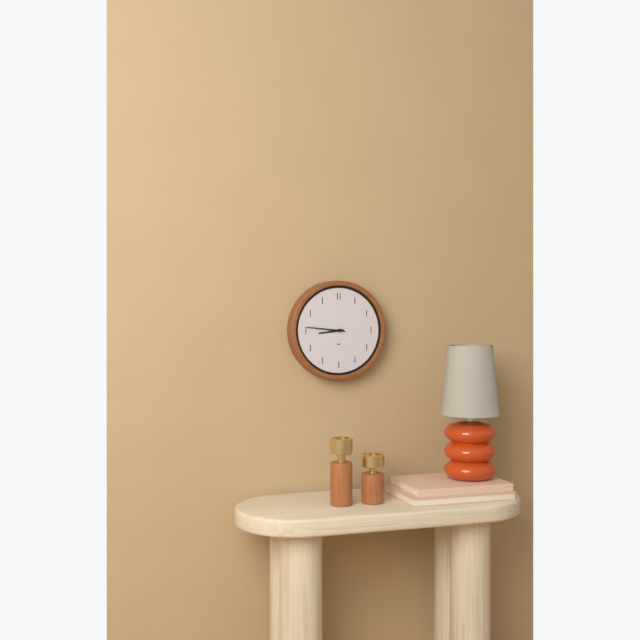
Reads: 8:46
